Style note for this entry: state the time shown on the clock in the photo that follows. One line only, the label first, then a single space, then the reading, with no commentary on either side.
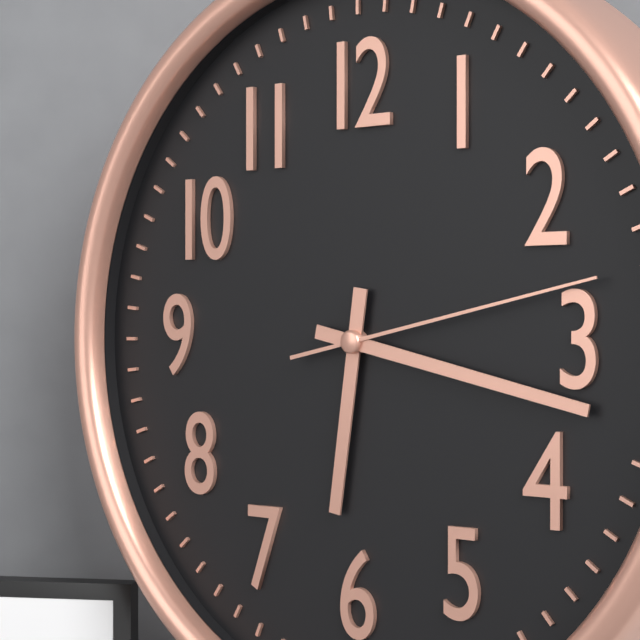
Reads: 6:17:13
